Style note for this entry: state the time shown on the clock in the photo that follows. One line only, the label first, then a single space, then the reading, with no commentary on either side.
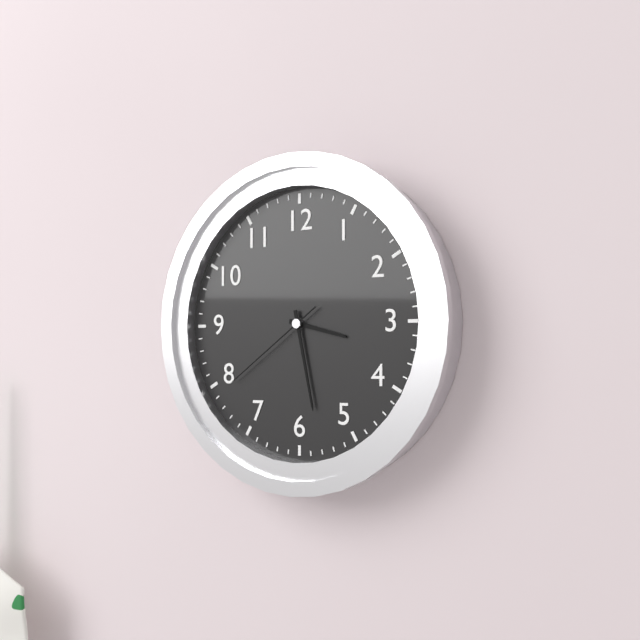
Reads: 3:28:39
